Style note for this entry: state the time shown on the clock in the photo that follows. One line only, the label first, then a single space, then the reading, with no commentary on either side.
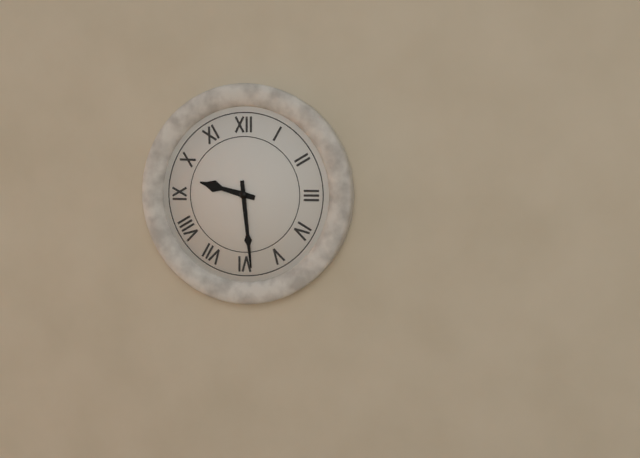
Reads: 9:29
